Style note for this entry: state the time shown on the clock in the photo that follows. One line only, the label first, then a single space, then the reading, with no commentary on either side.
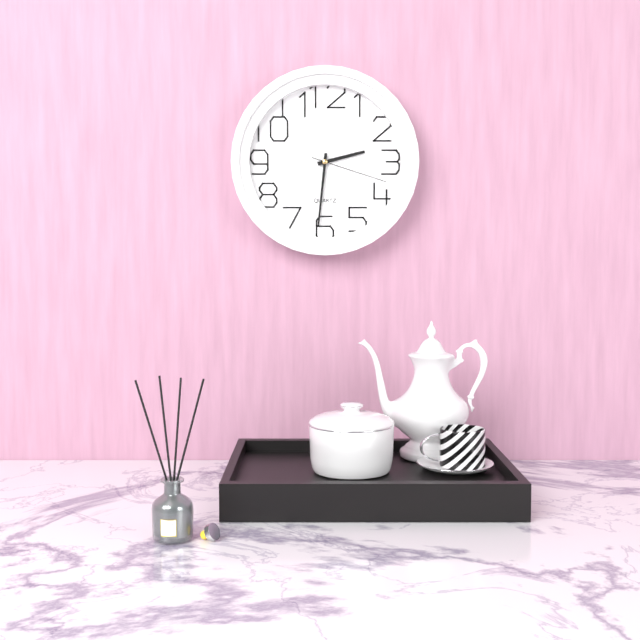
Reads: 2:31:18
